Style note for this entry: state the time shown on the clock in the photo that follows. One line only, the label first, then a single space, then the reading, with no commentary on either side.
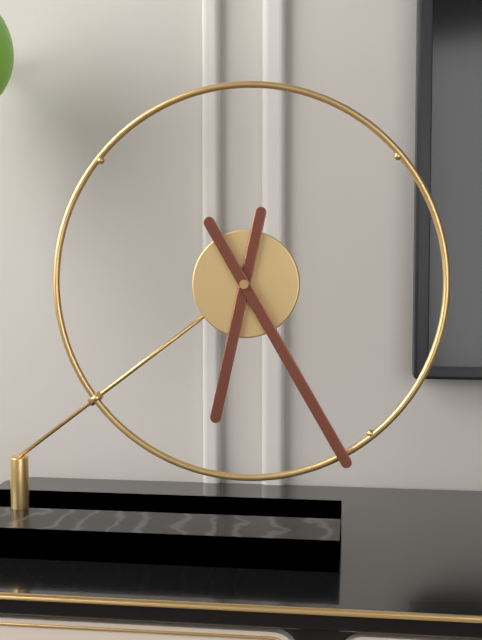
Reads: 6:25
